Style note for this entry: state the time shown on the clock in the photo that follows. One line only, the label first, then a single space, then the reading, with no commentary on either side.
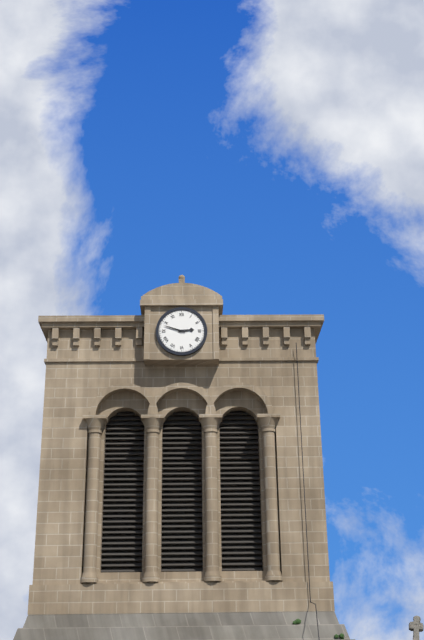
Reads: 2:48
